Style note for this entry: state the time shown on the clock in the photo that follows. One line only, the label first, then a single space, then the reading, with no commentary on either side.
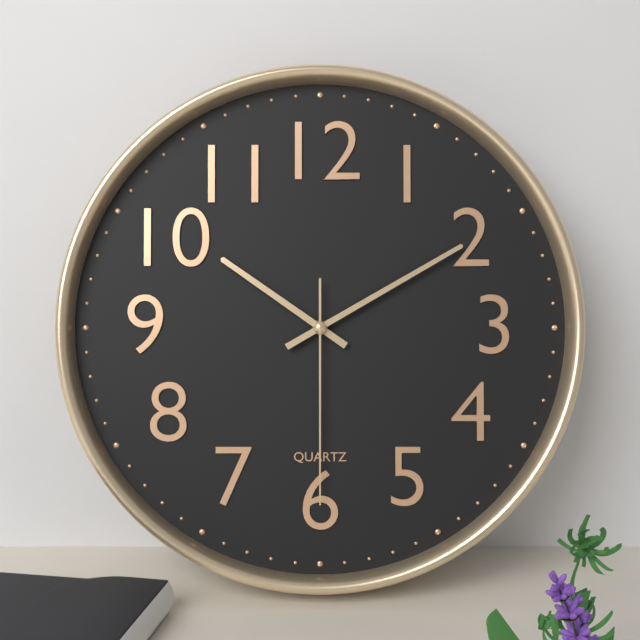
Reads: 10:10:30
